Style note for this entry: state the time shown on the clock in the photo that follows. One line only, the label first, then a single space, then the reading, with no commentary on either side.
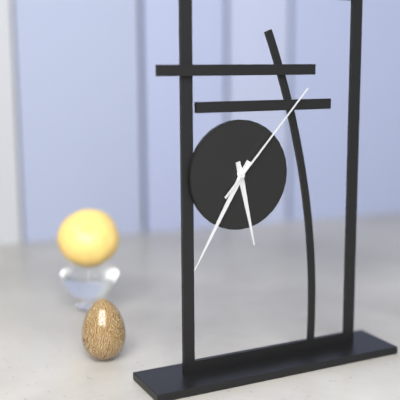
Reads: 5:35:07
